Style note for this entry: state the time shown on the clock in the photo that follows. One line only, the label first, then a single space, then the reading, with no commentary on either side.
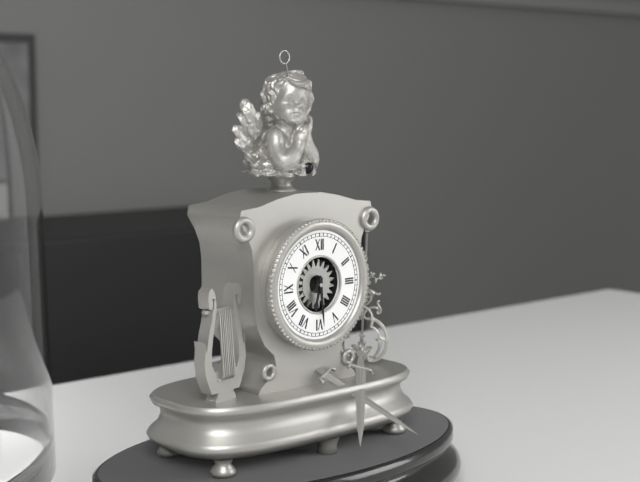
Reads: 6:29
